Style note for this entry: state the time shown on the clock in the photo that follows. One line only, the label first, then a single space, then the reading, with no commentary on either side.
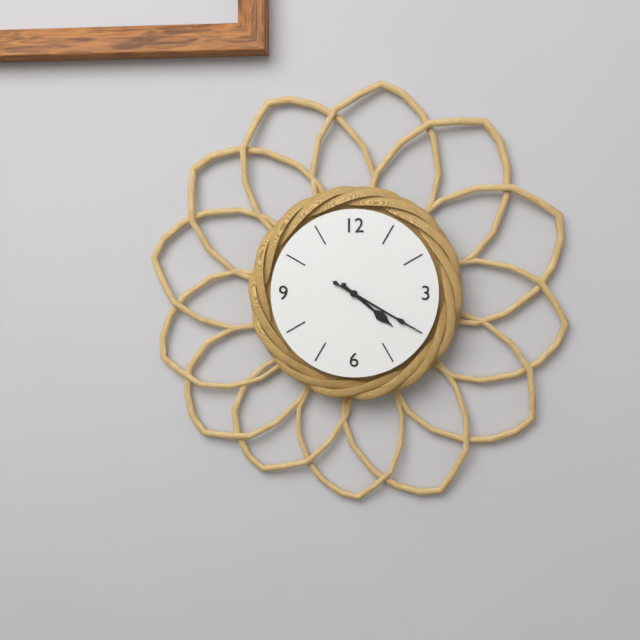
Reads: 4:20
